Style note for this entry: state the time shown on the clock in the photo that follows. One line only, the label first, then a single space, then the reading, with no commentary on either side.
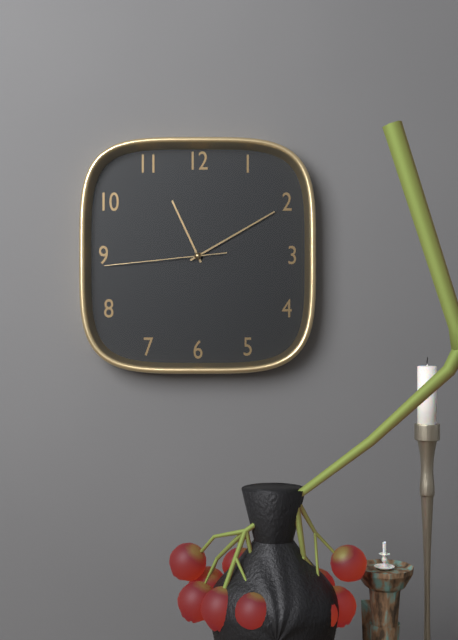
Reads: 11:10:44
